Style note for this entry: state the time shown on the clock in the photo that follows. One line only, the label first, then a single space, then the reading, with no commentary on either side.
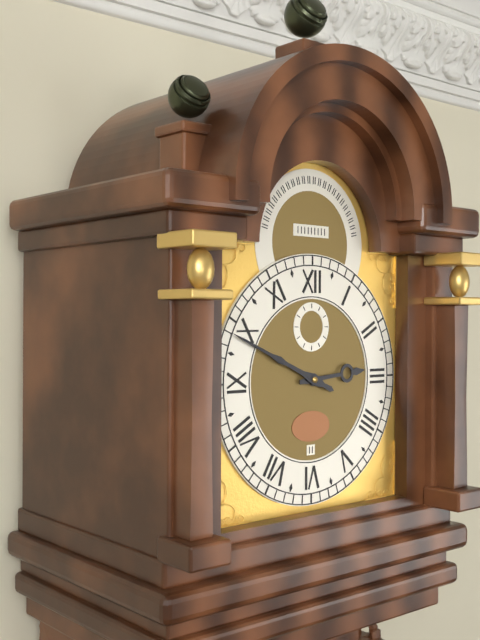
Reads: 2:49
